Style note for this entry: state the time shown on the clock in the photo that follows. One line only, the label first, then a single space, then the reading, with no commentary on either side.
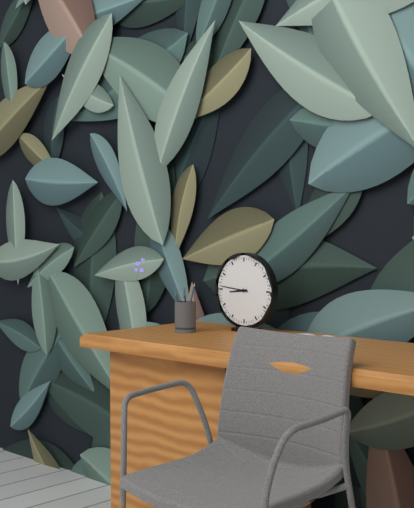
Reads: 8:46
